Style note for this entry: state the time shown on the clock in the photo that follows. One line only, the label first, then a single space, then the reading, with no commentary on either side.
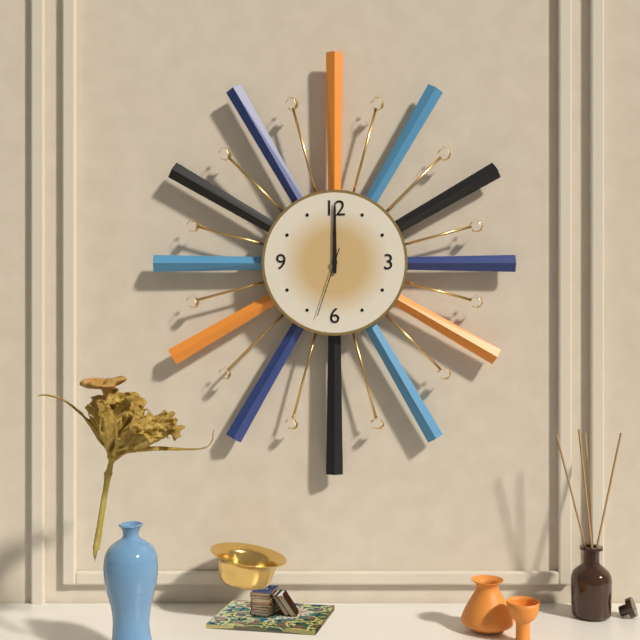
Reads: 12:00:33
